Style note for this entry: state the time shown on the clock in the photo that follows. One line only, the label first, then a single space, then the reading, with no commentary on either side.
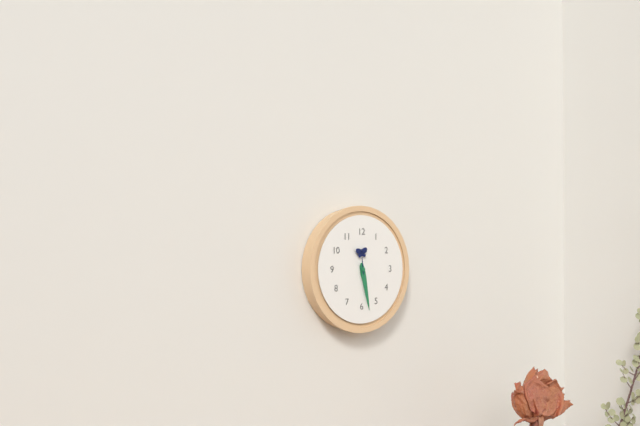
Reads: 5:28
